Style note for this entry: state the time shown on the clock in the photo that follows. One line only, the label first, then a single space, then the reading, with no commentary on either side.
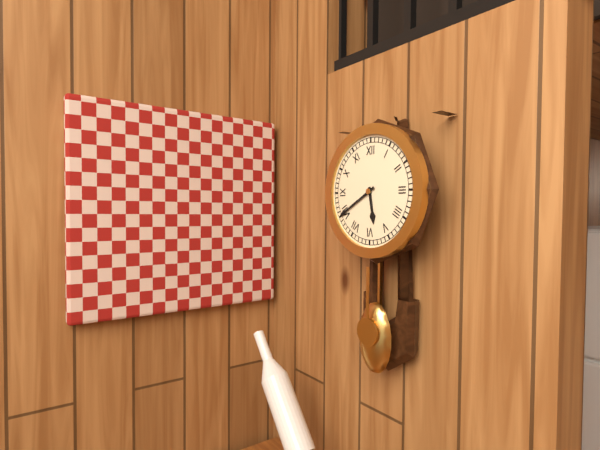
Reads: 5:40
